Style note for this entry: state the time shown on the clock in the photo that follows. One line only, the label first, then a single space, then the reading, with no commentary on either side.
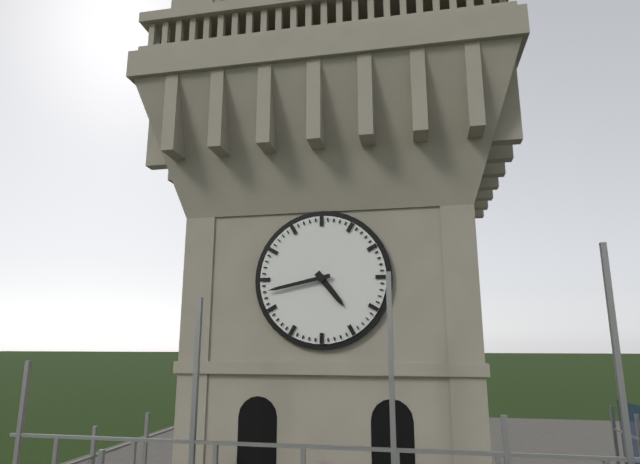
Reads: 4:43
